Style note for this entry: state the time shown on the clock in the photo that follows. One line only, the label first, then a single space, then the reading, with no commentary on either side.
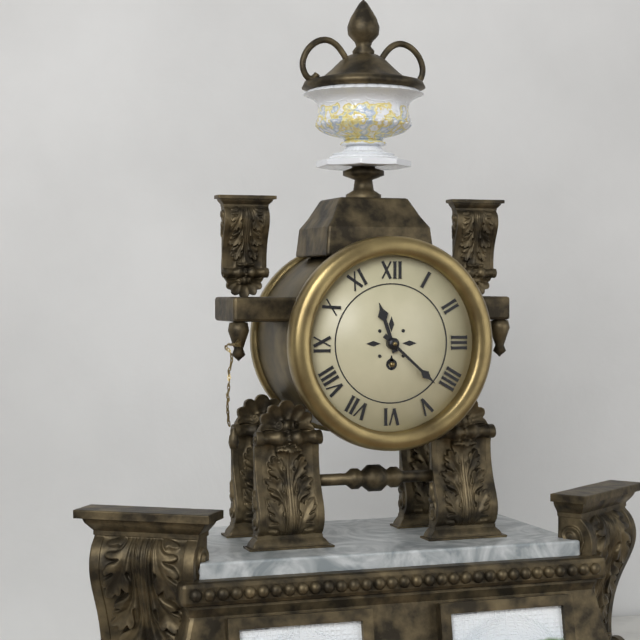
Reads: 11:22
